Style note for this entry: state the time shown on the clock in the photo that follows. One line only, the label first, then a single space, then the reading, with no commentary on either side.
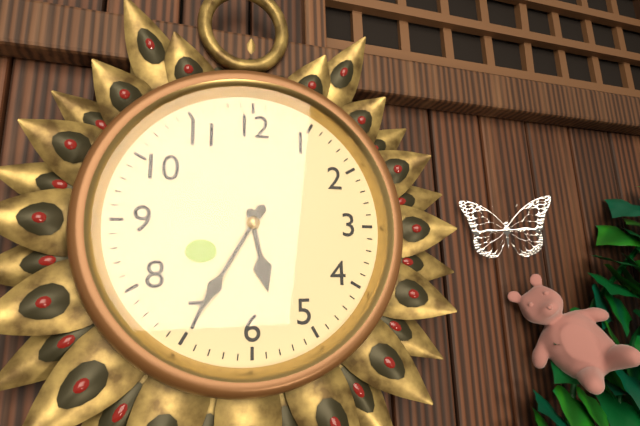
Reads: 5:35
